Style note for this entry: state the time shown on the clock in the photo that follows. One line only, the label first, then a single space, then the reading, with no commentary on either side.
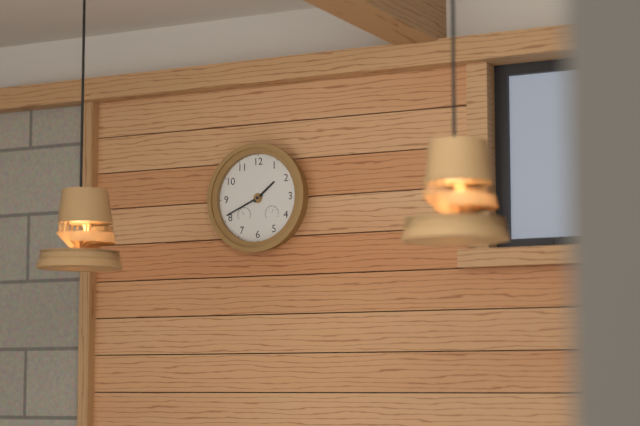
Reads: 1:41
